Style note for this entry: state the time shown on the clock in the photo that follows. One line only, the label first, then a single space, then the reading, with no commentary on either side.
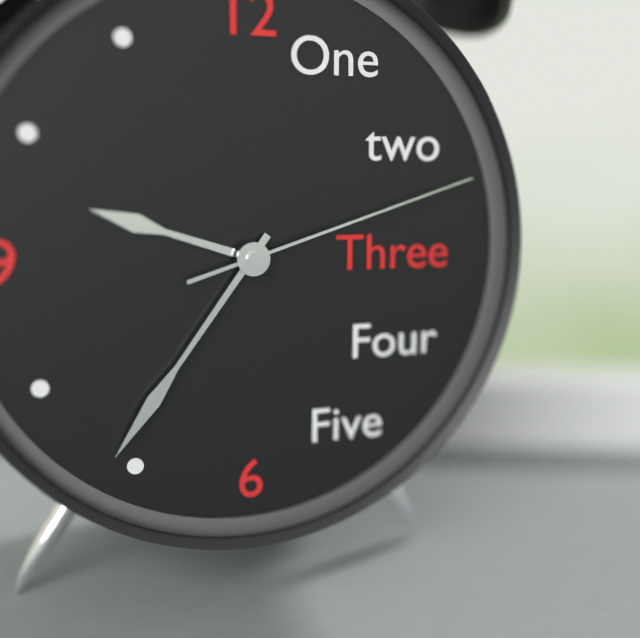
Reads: 9:36:12
